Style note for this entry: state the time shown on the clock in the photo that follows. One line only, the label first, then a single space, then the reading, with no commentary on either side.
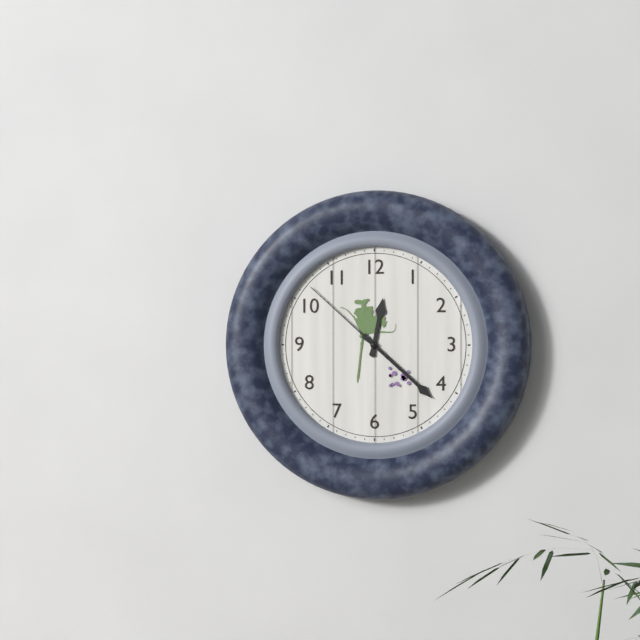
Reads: 12:22:52
